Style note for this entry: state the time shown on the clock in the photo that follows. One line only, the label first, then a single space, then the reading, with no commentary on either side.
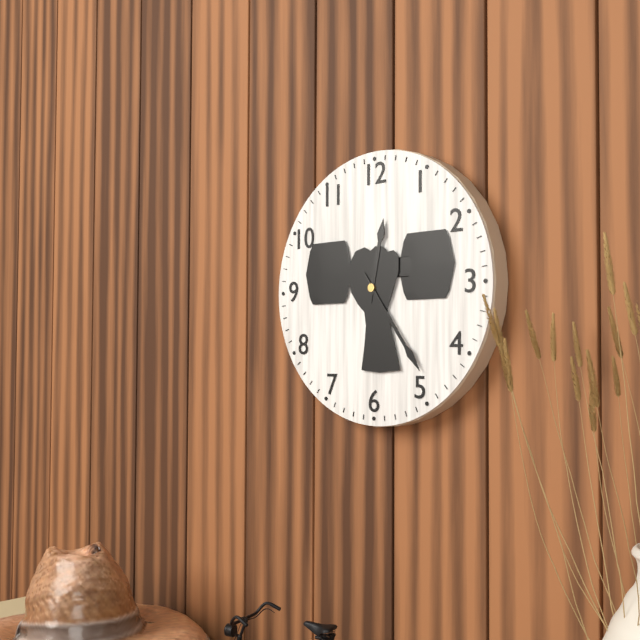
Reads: 12:24
